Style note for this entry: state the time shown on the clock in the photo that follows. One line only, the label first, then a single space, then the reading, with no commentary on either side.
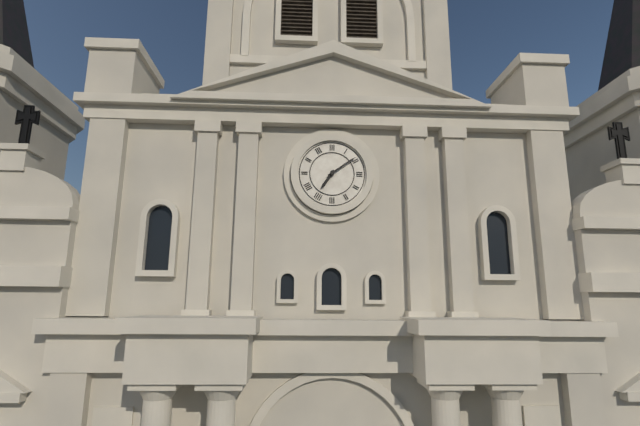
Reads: 7:09
